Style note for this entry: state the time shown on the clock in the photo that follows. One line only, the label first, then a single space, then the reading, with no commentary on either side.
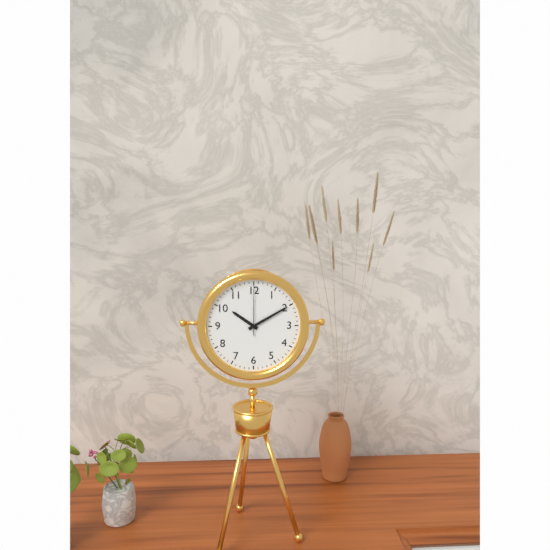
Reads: 10:10:00
